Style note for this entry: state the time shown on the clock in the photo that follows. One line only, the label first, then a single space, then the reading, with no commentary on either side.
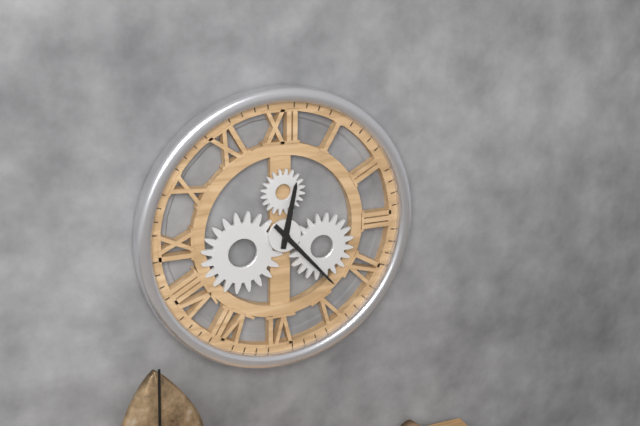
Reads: 12:23
